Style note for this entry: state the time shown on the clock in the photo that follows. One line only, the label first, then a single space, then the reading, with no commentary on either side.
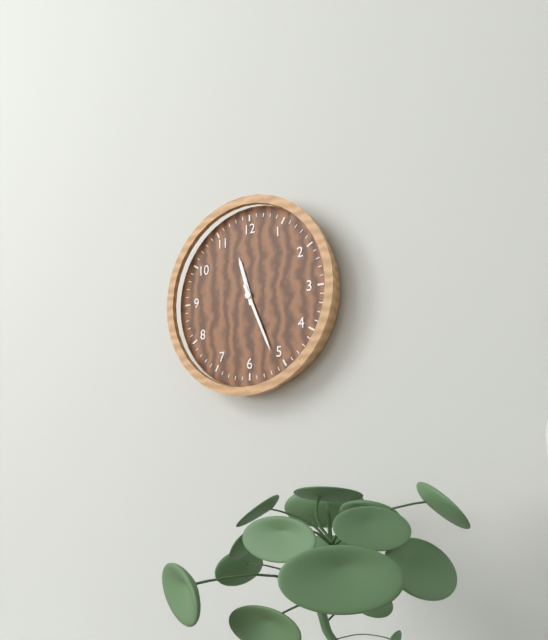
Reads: 11:26
